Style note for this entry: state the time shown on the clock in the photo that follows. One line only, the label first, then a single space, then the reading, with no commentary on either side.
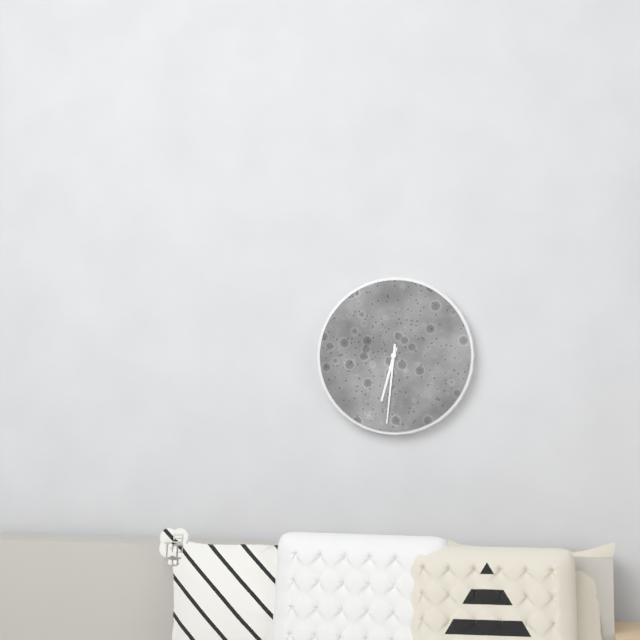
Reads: 6:31
